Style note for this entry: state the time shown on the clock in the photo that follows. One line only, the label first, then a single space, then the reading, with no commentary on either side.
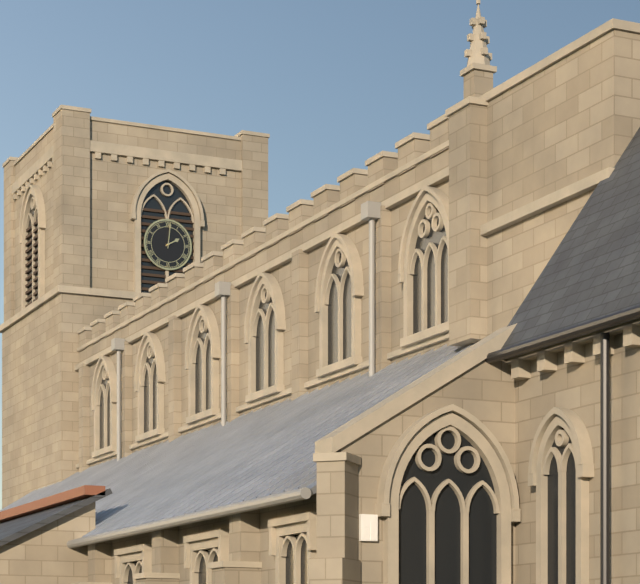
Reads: 2:01
